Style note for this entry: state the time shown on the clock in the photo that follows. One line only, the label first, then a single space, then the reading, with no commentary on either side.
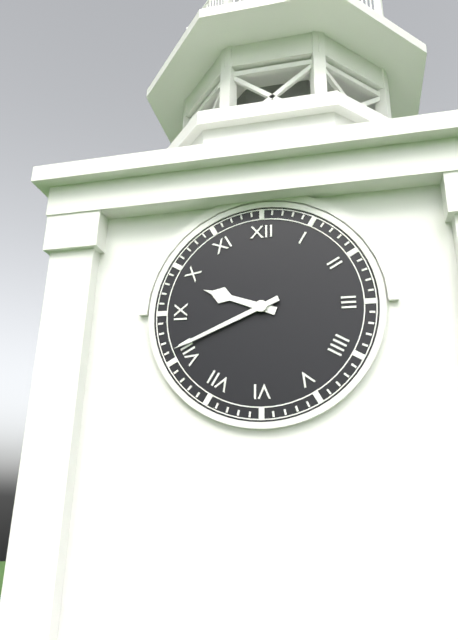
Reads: 9:41
